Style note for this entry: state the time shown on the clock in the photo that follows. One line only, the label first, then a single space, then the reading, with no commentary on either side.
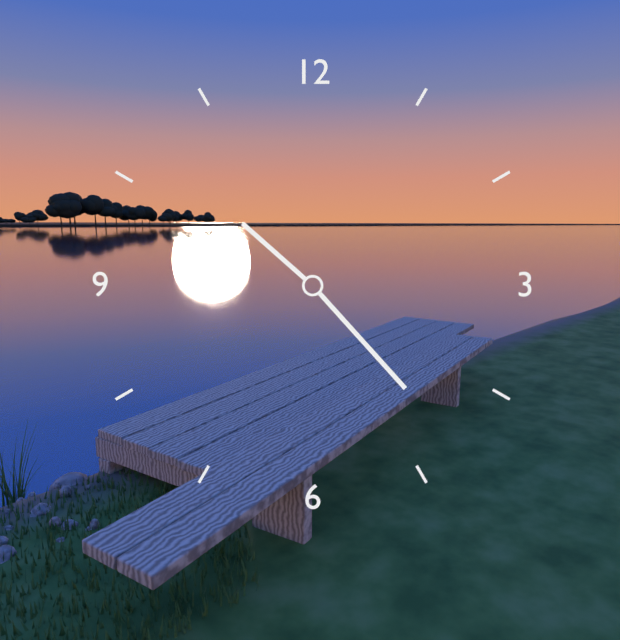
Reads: 10:23
